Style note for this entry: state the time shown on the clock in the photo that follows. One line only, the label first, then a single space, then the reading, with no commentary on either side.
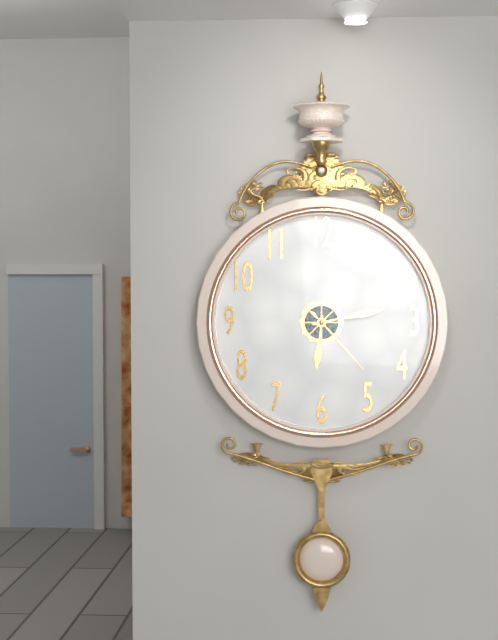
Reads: 6:13:23
